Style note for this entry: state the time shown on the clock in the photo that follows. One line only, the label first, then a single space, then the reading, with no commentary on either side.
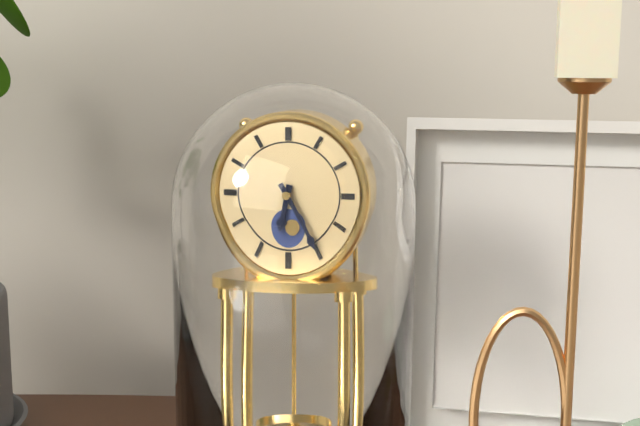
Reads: 6:25
